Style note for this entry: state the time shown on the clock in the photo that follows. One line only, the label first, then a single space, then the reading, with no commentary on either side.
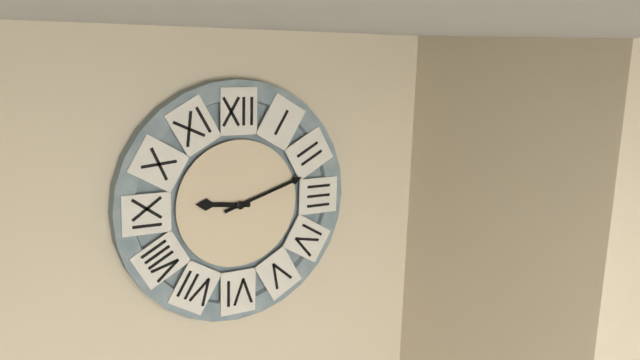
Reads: 9:12
